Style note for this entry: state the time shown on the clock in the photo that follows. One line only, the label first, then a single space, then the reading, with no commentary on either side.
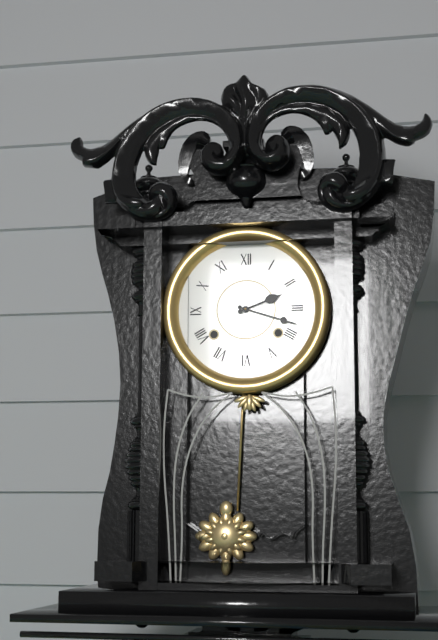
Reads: 2:18
